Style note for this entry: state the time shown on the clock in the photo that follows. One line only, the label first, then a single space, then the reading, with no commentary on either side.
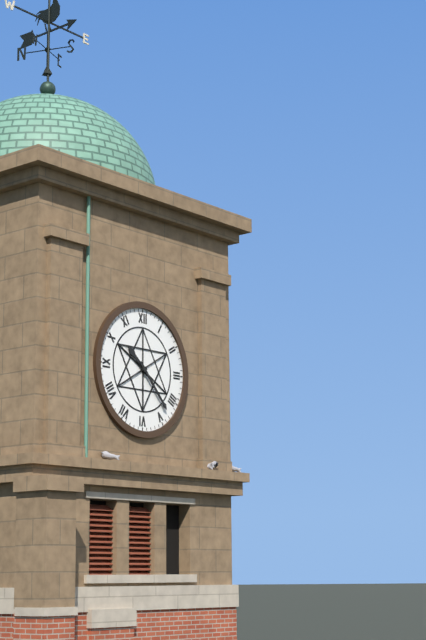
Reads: 10:23
